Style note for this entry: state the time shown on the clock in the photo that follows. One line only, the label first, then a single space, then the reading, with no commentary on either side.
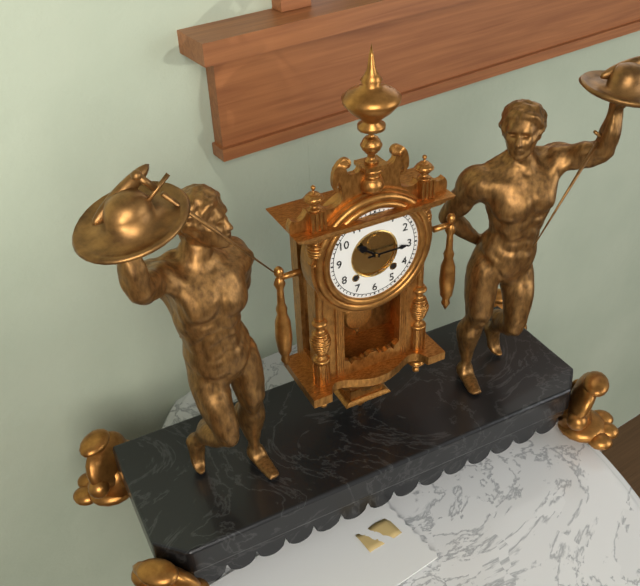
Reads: 10:15
